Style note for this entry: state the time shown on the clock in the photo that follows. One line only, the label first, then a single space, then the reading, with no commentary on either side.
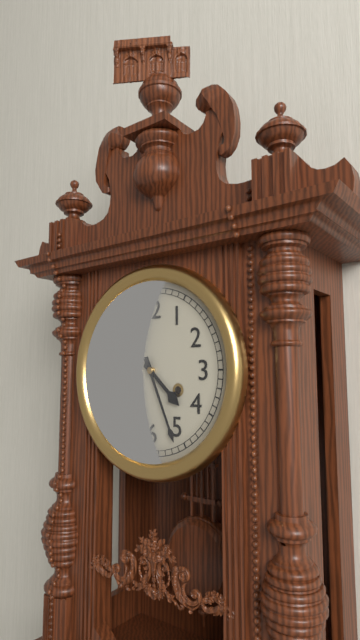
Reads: 4:26
